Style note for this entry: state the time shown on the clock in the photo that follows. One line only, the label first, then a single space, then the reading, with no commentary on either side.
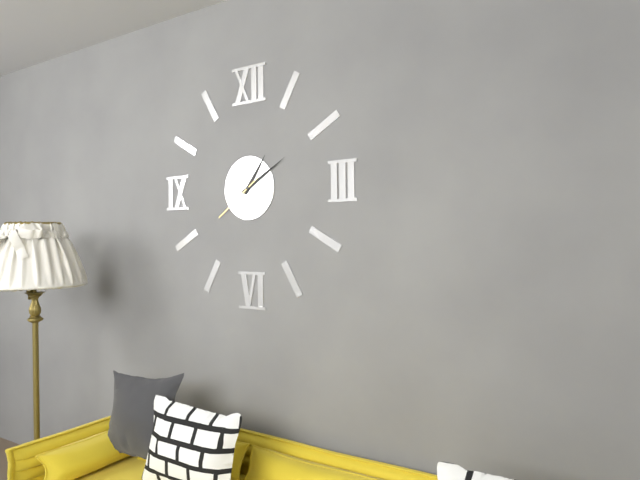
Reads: 1:10:39
